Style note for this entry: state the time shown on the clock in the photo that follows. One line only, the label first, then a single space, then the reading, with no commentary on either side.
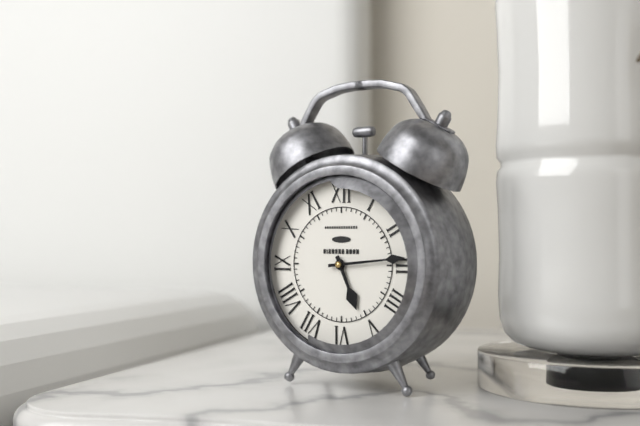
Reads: 5:14
